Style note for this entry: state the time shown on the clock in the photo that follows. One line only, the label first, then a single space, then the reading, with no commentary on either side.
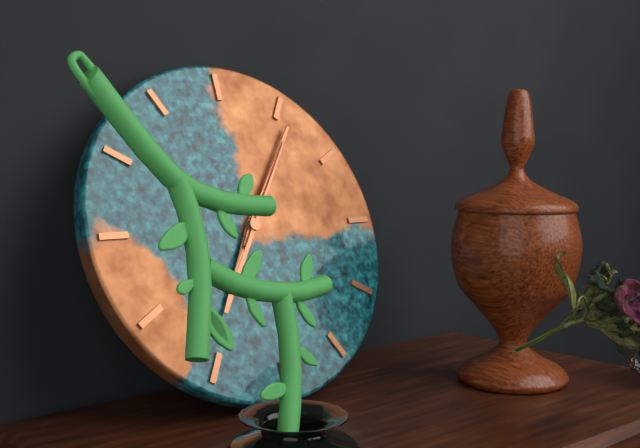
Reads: 7:06:06
